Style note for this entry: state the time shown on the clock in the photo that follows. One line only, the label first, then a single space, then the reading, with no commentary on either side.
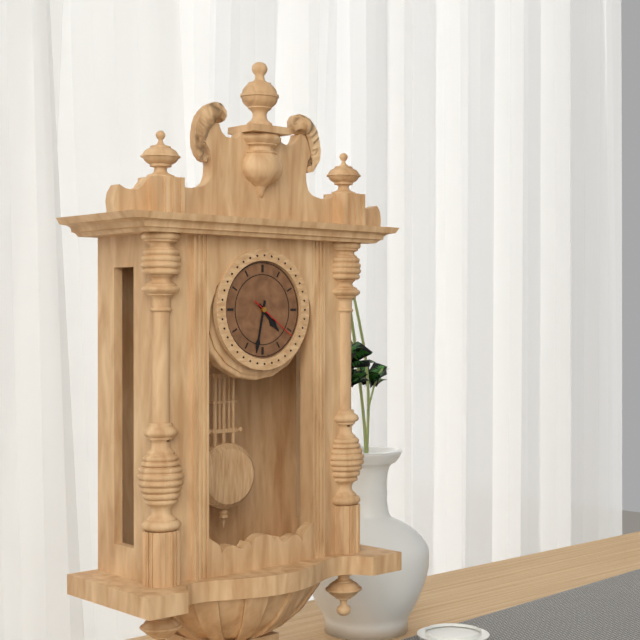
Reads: 4:32:21
